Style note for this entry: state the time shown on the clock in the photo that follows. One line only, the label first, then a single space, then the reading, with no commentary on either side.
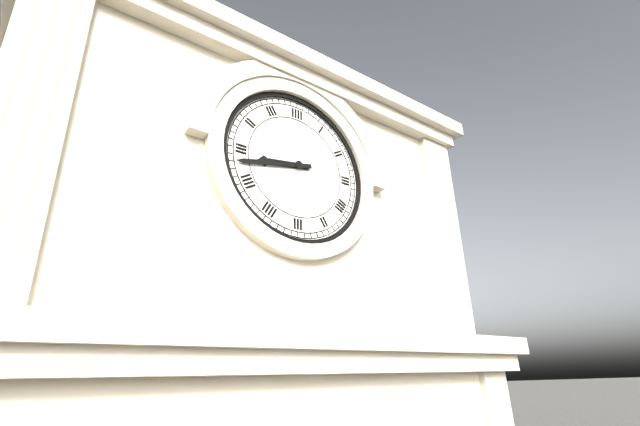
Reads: 8:43
